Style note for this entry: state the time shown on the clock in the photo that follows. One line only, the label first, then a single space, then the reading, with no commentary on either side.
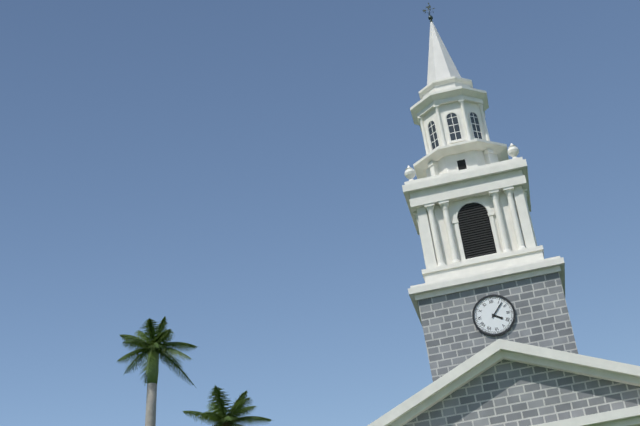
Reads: 4:07
